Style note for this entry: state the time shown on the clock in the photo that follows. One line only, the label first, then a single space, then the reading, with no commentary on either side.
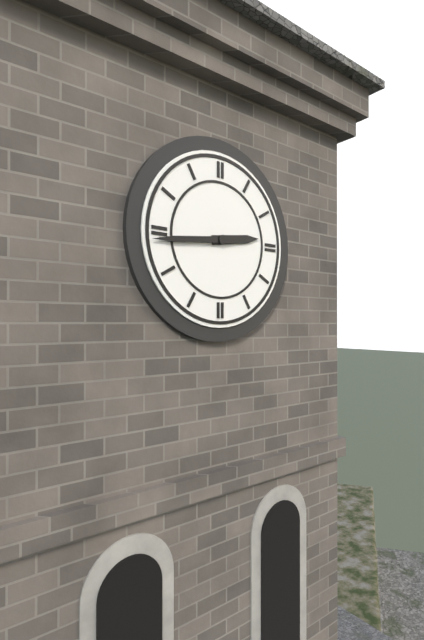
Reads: 2:44
